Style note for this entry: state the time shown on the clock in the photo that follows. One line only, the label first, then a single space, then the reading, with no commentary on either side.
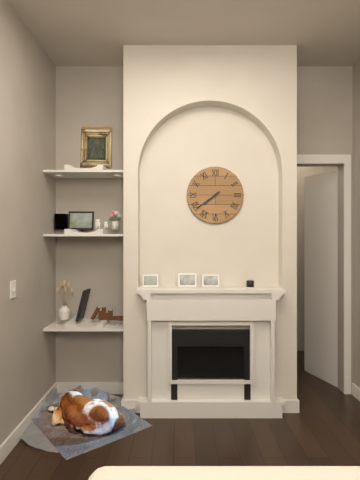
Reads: 7:39
